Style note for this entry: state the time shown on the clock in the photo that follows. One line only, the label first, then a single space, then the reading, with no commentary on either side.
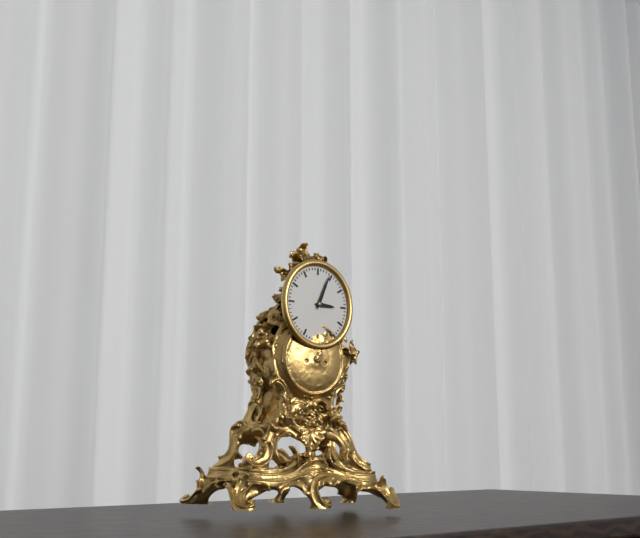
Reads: 3:04
